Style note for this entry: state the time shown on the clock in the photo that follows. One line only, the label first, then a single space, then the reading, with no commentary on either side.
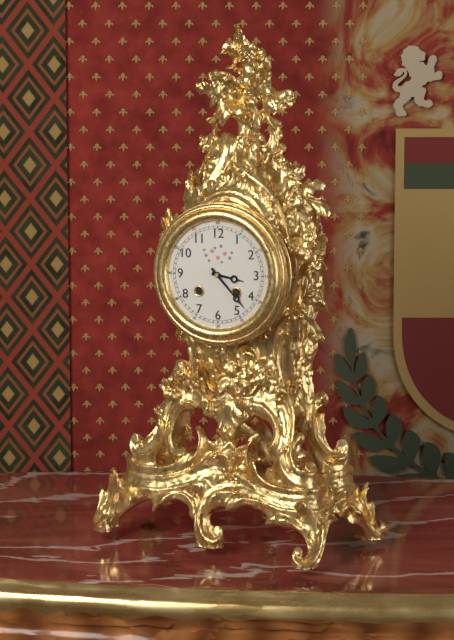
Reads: 3:23
